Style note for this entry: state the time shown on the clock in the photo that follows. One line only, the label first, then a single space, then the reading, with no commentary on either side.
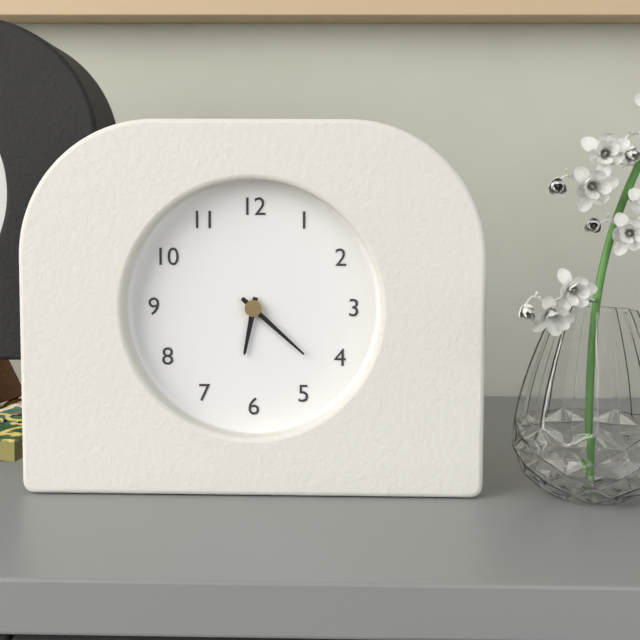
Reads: 6:22
